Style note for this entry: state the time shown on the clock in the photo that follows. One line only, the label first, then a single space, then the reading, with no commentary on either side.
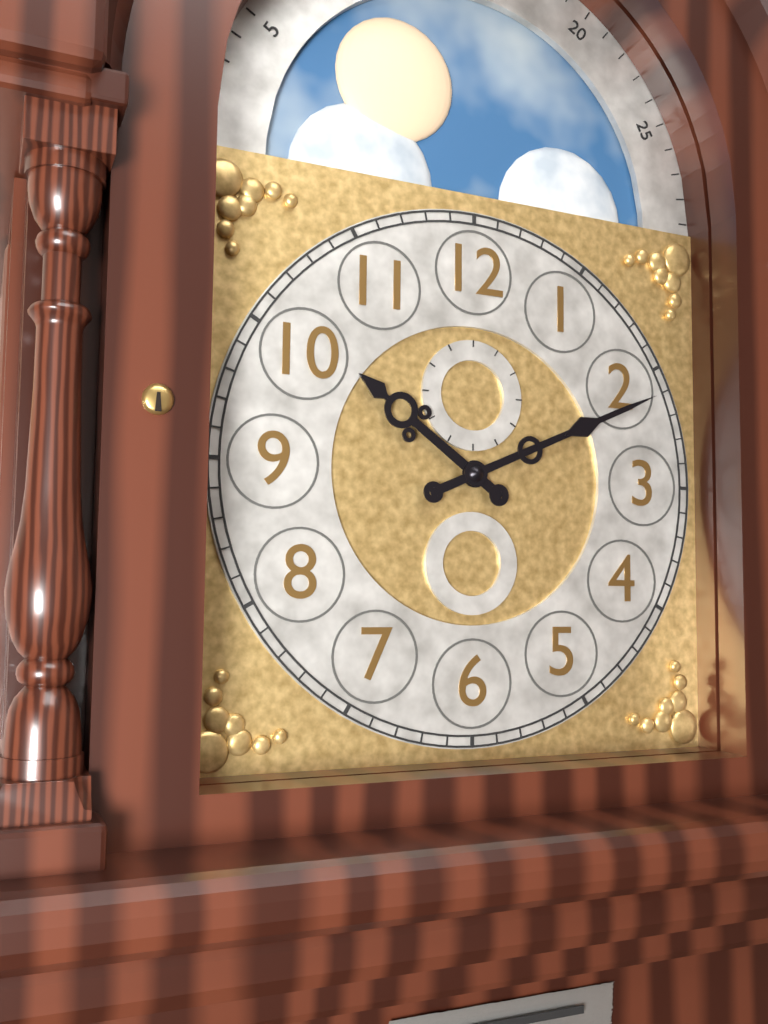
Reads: 10:11
